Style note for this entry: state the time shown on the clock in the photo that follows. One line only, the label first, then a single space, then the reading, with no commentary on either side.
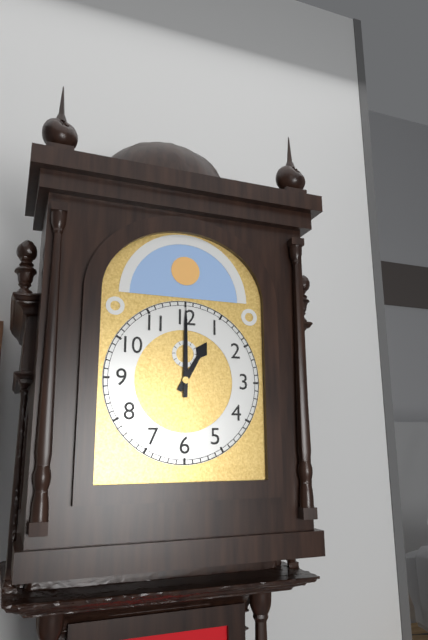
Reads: 1:00
